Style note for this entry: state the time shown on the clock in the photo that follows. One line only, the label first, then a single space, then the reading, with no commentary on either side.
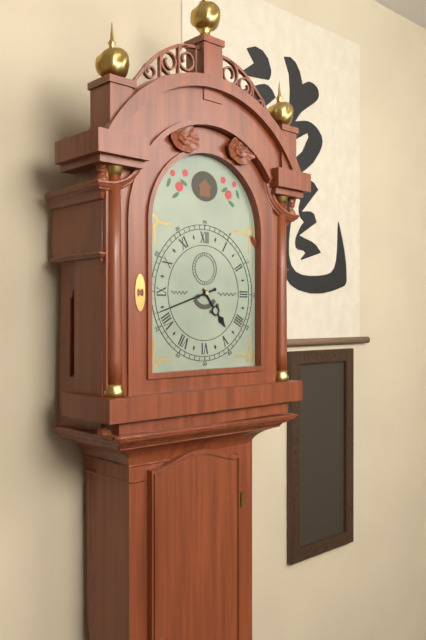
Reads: 4:42
